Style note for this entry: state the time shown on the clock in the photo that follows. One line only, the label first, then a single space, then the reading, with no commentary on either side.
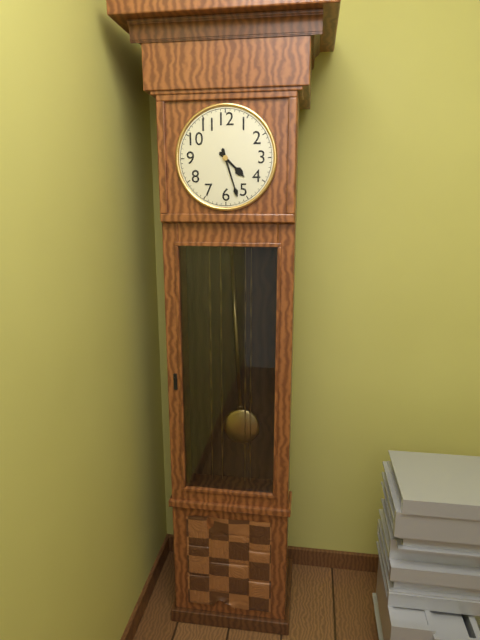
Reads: 4:27
